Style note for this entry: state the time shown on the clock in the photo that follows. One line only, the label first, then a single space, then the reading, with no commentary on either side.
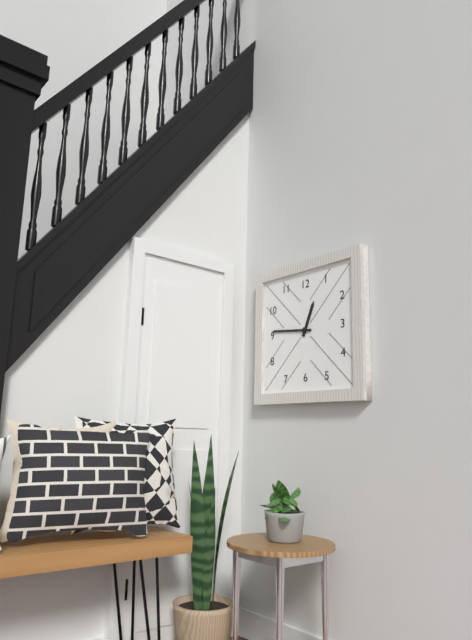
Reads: 12:46
